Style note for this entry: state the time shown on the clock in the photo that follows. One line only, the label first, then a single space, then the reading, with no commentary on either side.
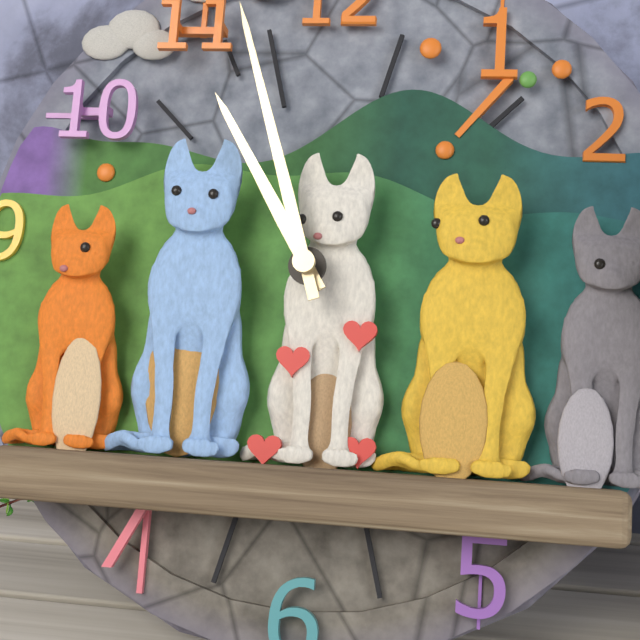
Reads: 10:57
